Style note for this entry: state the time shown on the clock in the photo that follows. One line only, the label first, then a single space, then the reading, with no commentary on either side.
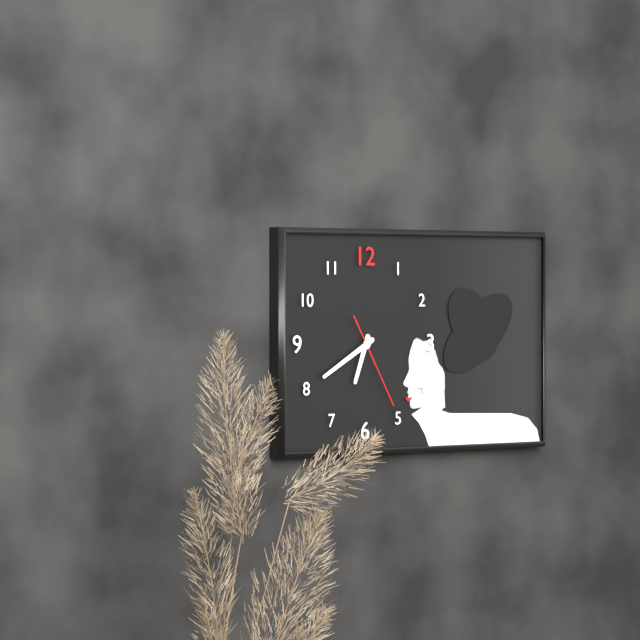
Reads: 6:40:25
